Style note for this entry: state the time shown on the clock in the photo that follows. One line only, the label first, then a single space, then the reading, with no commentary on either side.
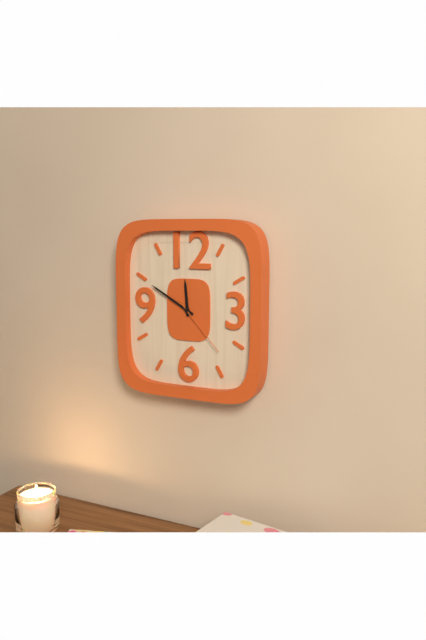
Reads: 11:50:23
